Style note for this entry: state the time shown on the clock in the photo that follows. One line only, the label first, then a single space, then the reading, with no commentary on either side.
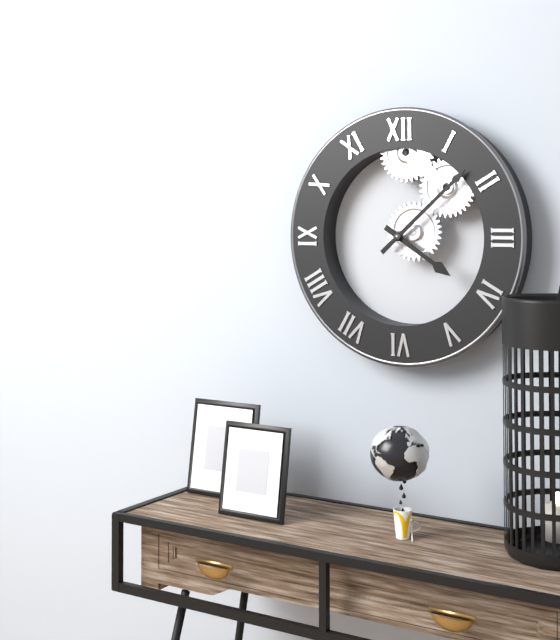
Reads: 4:08
